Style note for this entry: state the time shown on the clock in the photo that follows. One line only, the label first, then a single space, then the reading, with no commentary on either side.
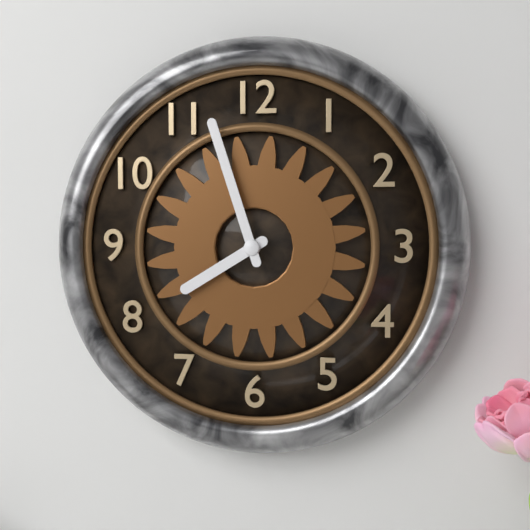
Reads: 7:57
